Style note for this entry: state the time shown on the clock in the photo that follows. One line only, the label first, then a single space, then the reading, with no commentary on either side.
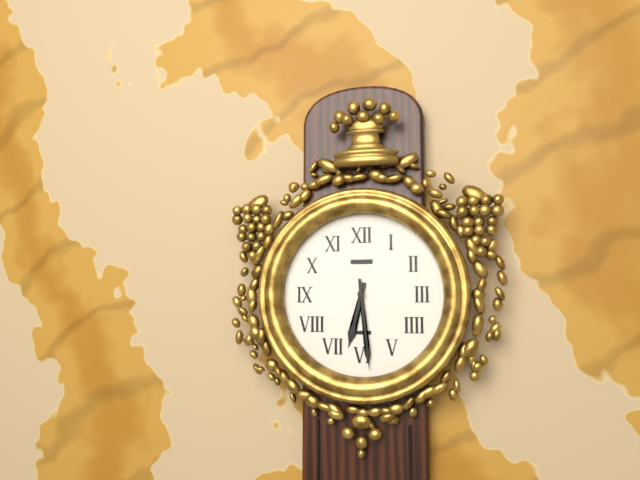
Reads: 6:29
